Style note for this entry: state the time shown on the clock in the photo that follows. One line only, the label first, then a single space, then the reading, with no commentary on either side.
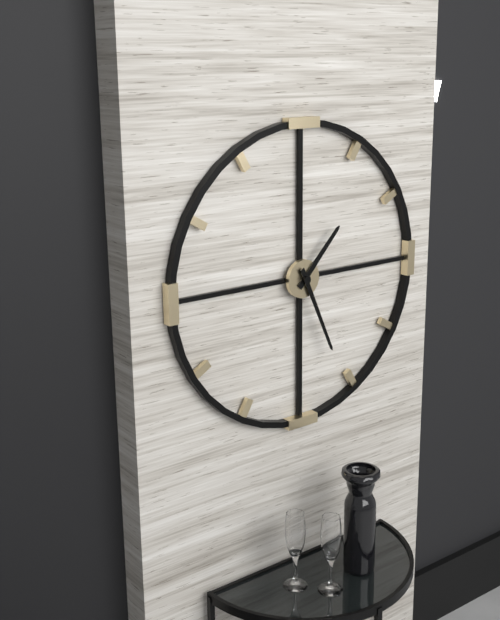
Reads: 1:26
